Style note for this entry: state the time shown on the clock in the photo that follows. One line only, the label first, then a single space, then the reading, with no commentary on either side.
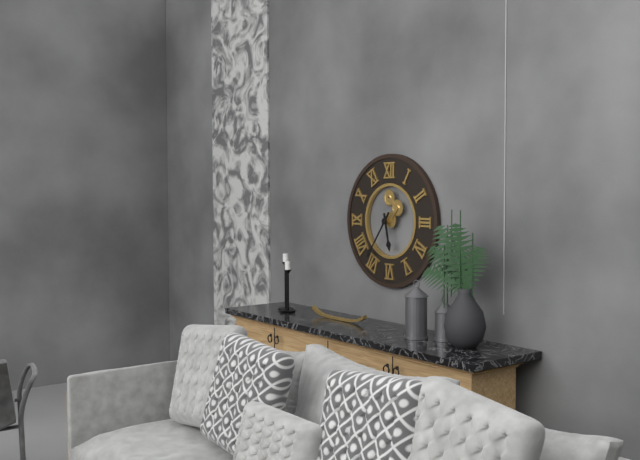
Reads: 5:36
